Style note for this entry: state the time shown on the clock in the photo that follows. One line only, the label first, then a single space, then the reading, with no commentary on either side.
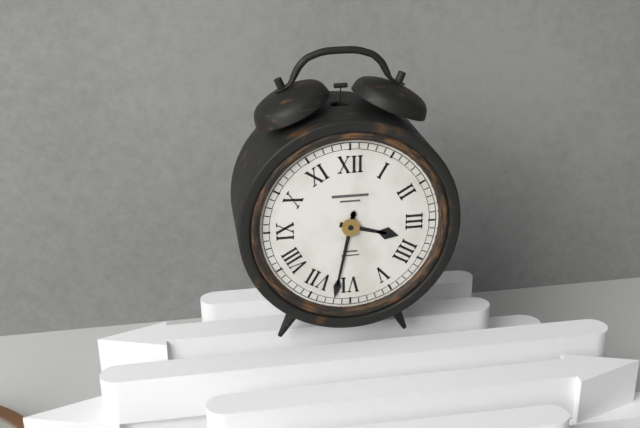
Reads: 3:32
